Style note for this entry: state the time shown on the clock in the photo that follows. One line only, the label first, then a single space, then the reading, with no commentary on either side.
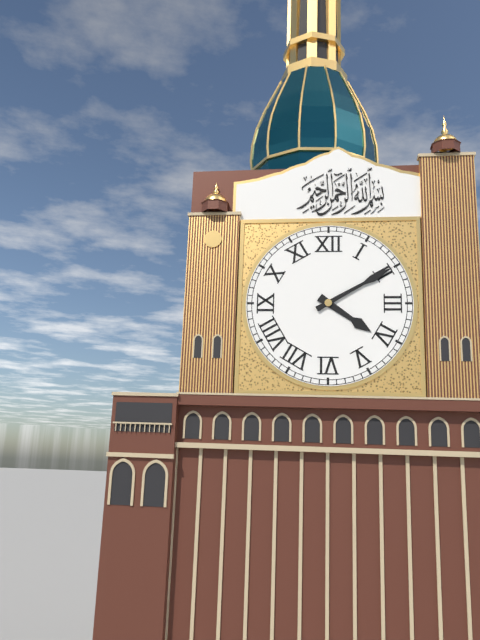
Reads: 4:10
